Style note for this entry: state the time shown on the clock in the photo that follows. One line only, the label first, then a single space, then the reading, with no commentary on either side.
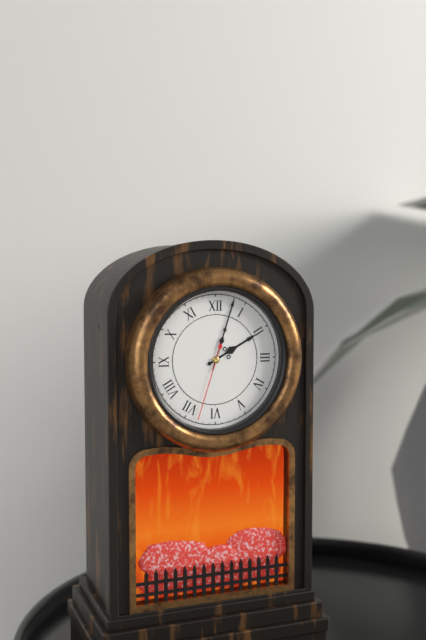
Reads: 2:03:33
